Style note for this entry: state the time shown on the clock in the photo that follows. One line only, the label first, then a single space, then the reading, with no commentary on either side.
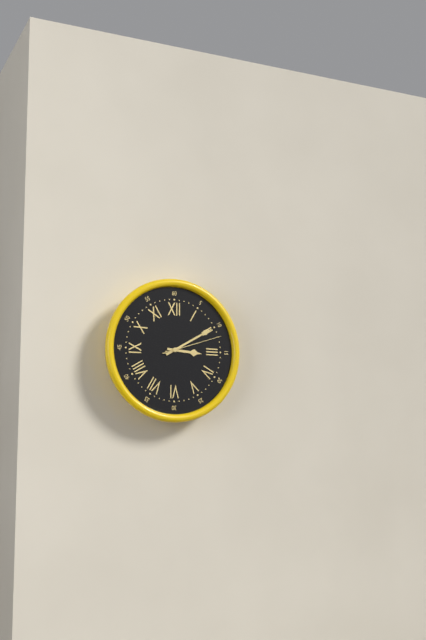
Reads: 3:10:12
